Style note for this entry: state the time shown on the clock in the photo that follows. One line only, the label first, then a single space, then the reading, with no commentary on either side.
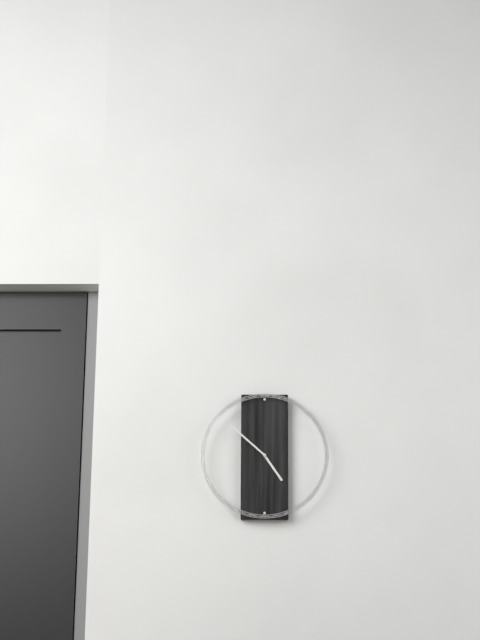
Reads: 4:52
